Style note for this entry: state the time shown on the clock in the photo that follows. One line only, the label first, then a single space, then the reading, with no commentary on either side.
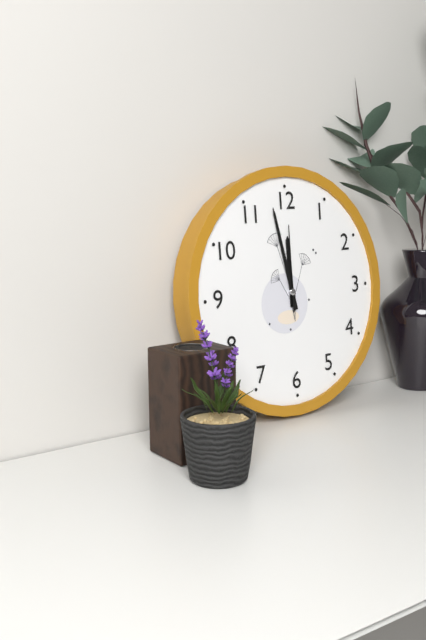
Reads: 11:58:00
